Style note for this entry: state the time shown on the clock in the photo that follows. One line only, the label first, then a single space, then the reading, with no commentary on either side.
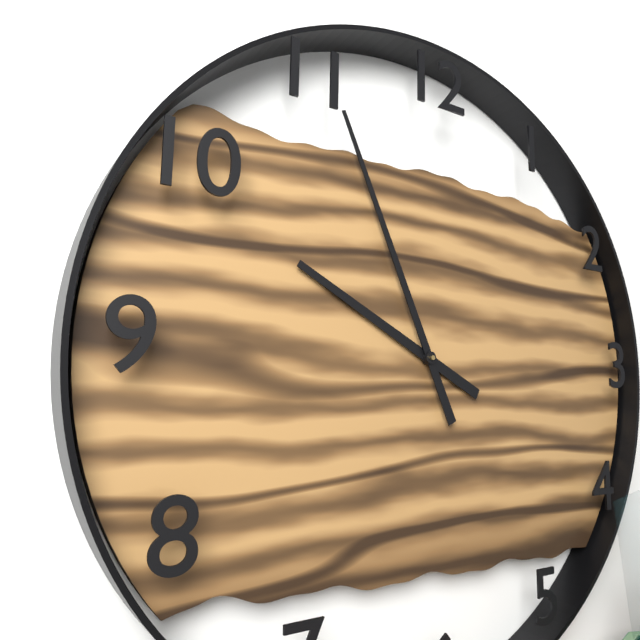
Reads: 9:56
